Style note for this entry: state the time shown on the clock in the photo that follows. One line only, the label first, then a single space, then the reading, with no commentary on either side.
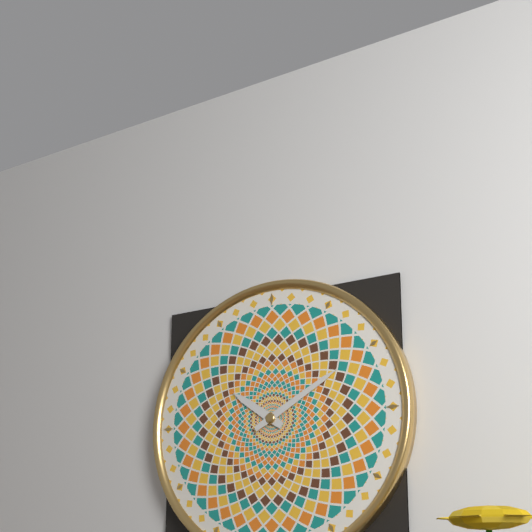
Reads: 10:10
